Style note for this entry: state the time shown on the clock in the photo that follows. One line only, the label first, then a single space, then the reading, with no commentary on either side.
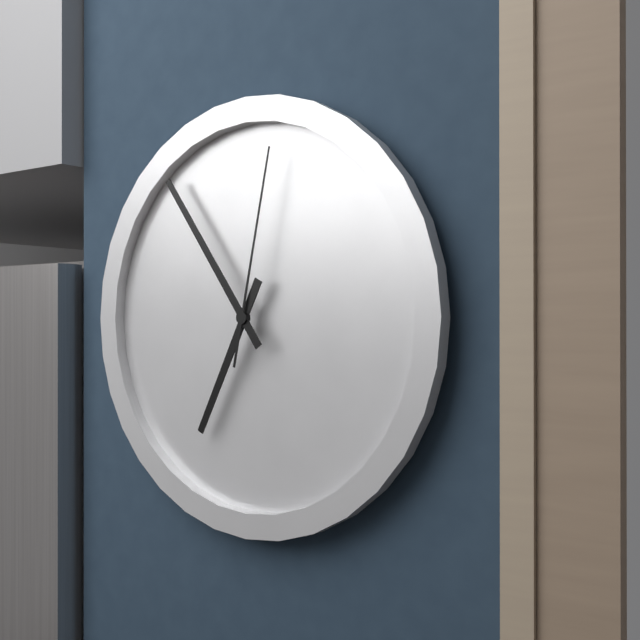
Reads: 6:54:02
